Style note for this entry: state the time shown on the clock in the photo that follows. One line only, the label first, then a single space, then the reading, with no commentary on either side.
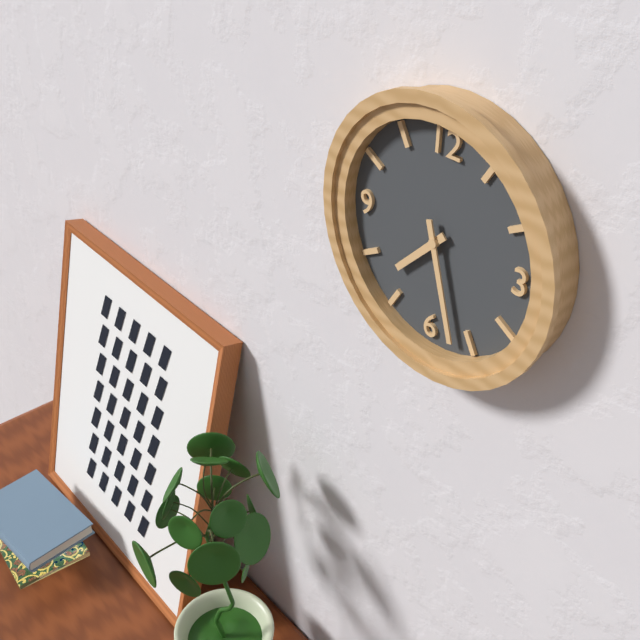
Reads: 7:27
